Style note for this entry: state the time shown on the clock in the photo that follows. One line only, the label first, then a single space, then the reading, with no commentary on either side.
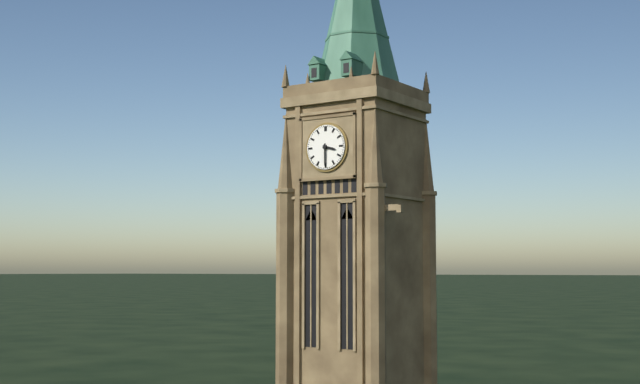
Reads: 3:30
